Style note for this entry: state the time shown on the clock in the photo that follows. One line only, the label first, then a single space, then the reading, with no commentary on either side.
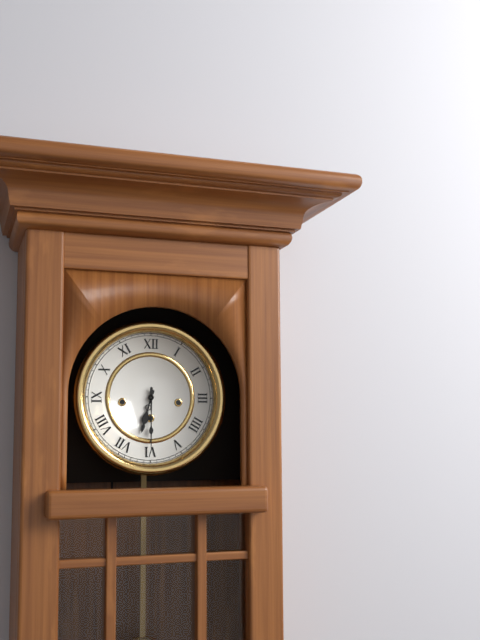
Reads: 6:30
